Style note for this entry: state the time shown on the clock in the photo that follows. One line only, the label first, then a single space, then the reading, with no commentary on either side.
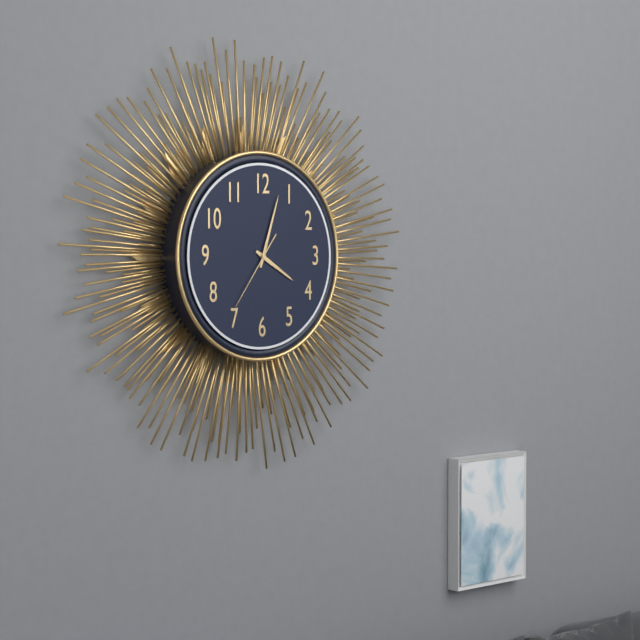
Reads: 4:03:36
